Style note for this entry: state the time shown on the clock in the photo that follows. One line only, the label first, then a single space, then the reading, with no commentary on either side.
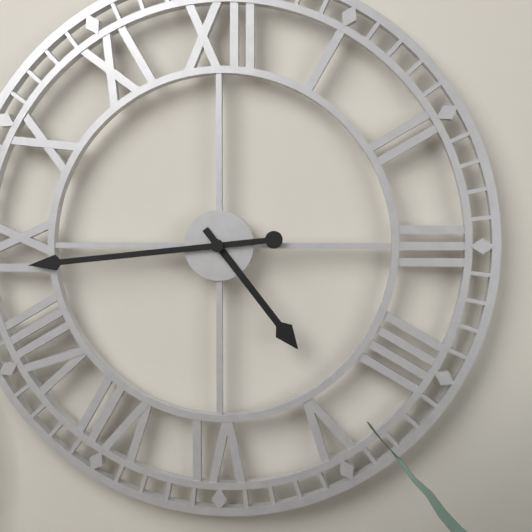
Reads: 4:44
